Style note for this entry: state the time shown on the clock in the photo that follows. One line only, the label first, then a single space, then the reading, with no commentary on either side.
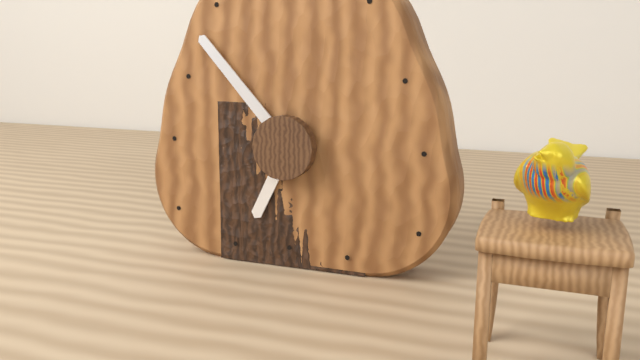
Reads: 6:53
